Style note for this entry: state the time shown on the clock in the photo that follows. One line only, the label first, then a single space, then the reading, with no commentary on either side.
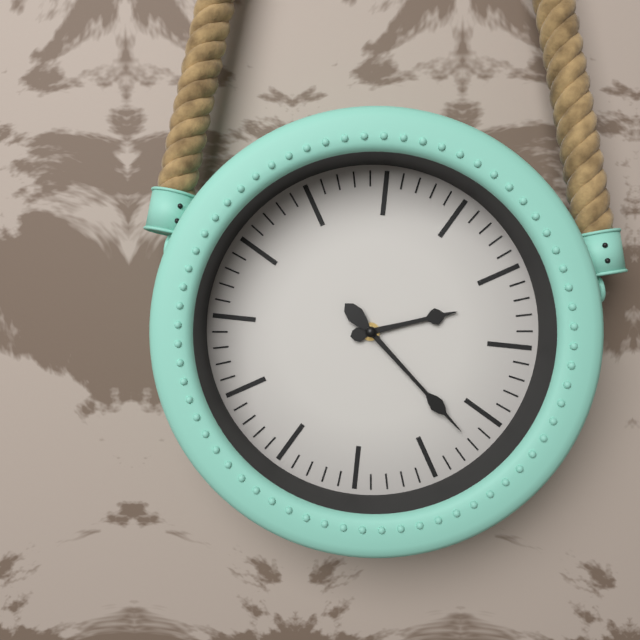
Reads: 2:22
